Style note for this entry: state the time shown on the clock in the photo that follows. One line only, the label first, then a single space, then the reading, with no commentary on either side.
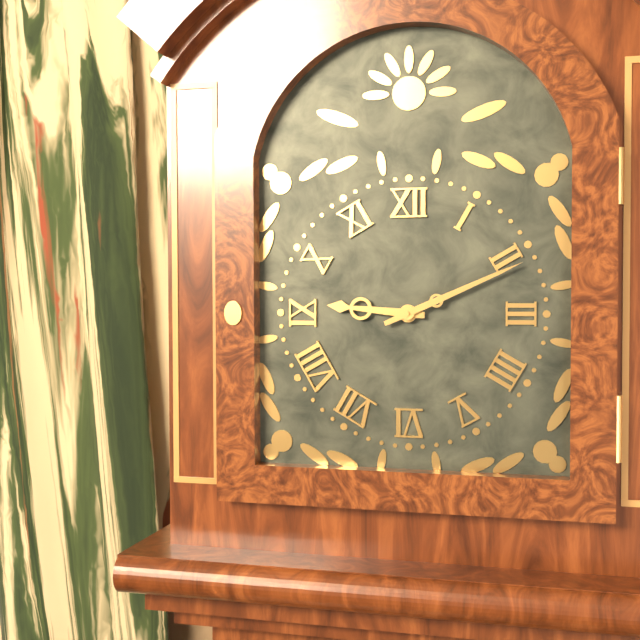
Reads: 9:11
